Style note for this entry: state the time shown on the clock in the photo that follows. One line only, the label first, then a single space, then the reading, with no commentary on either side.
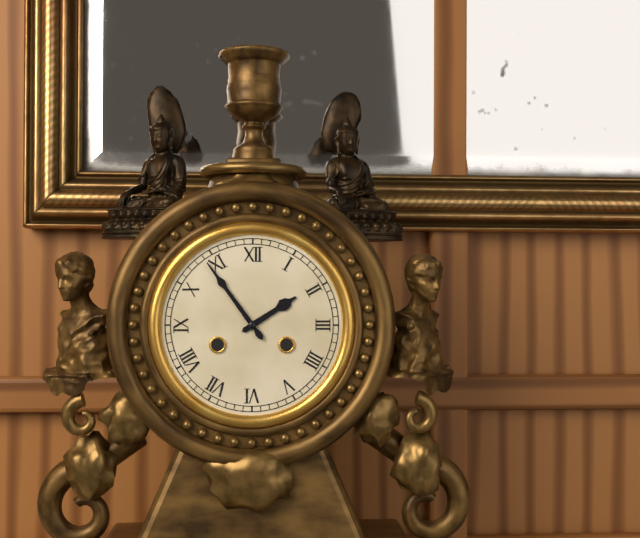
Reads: 1:54
